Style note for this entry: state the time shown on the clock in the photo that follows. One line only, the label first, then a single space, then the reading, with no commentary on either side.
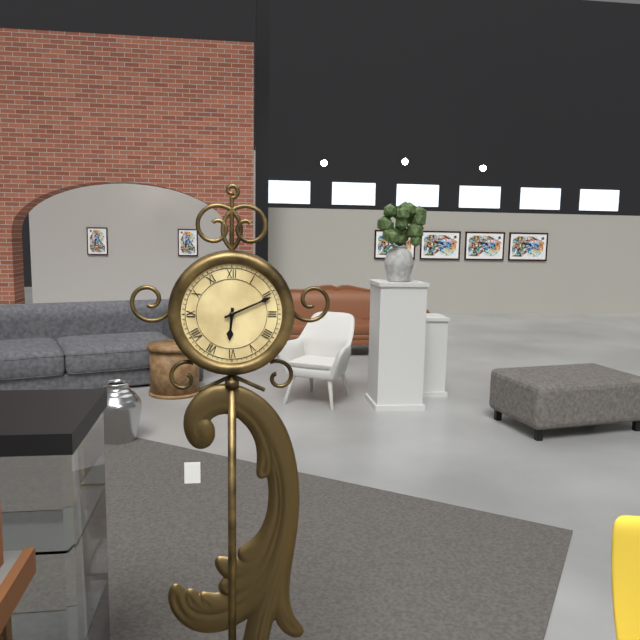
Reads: 6:11
